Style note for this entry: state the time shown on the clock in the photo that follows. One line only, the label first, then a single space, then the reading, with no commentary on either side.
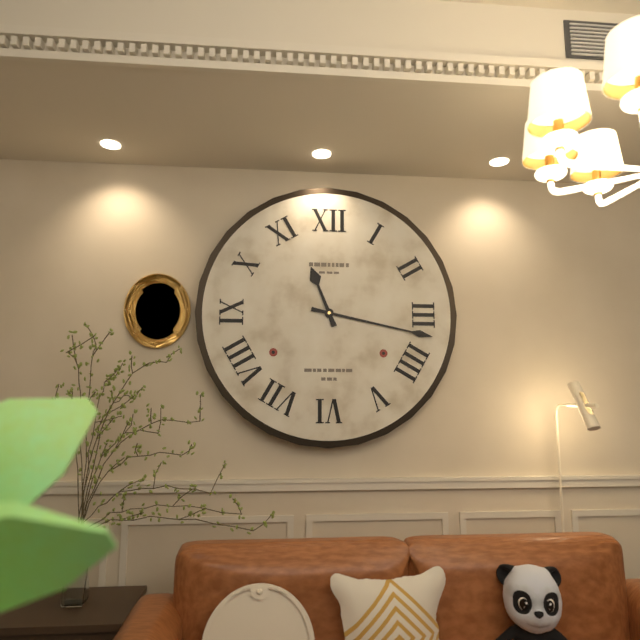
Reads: 11:17
